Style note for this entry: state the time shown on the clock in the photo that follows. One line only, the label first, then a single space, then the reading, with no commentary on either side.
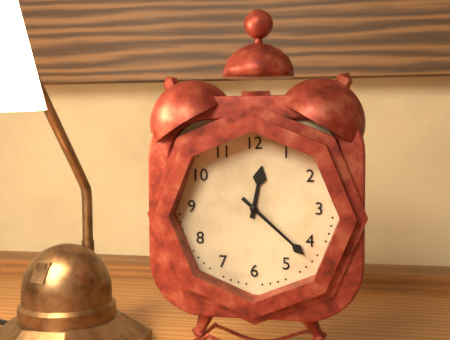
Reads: 12:22
